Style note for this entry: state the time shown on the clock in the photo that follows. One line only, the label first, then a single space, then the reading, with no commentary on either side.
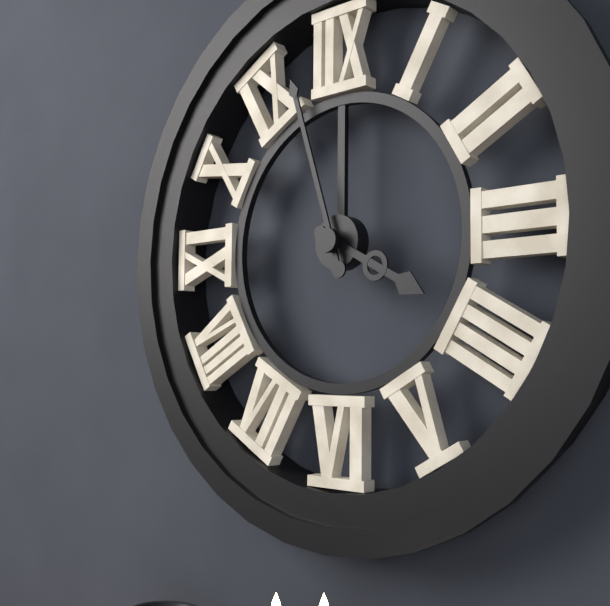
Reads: 3:57
